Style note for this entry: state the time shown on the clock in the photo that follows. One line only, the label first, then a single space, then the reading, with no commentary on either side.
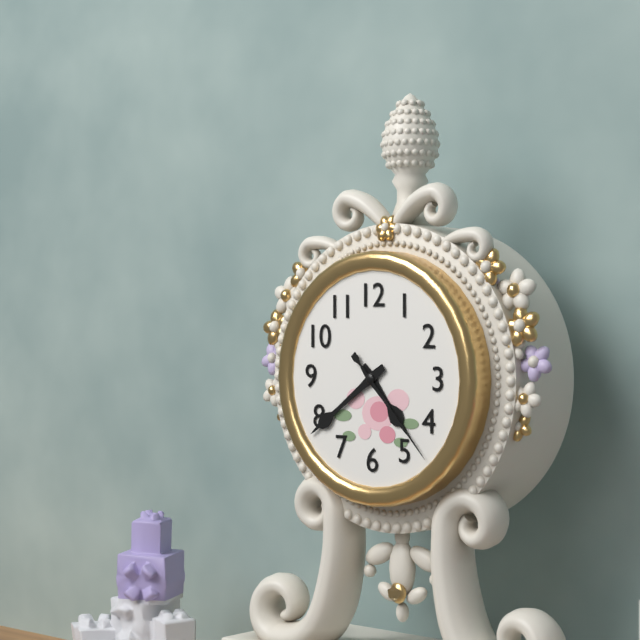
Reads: 4:39:23
